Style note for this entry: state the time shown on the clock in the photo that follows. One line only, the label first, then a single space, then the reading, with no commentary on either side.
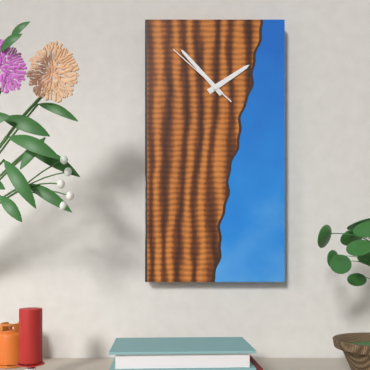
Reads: 1:53:52
